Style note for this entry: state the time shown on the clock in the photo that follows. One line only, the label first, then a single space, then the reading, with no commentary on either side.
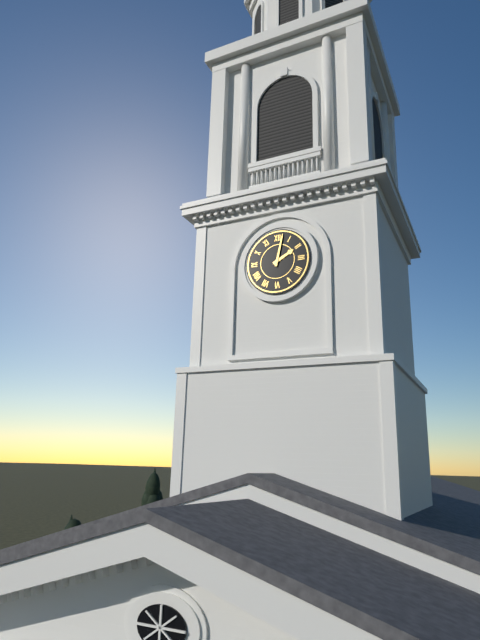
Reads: 2:02
